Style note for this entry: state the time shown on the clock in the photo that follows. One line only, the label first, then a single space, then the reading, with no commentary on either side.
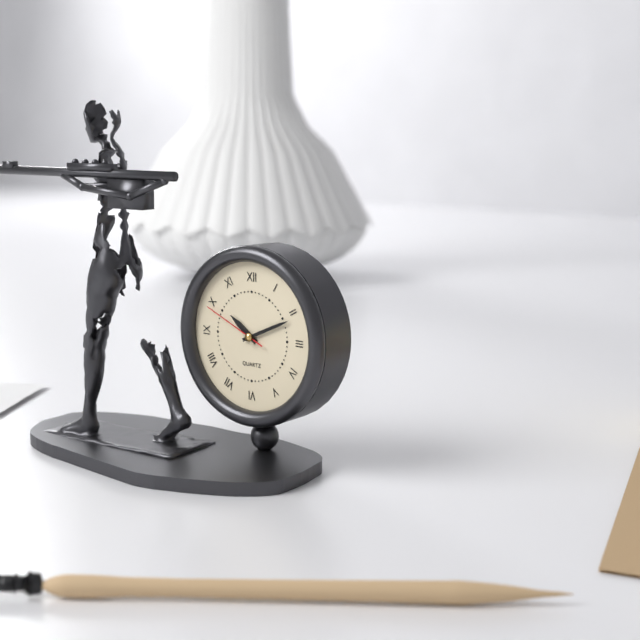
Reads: 10:11:49
